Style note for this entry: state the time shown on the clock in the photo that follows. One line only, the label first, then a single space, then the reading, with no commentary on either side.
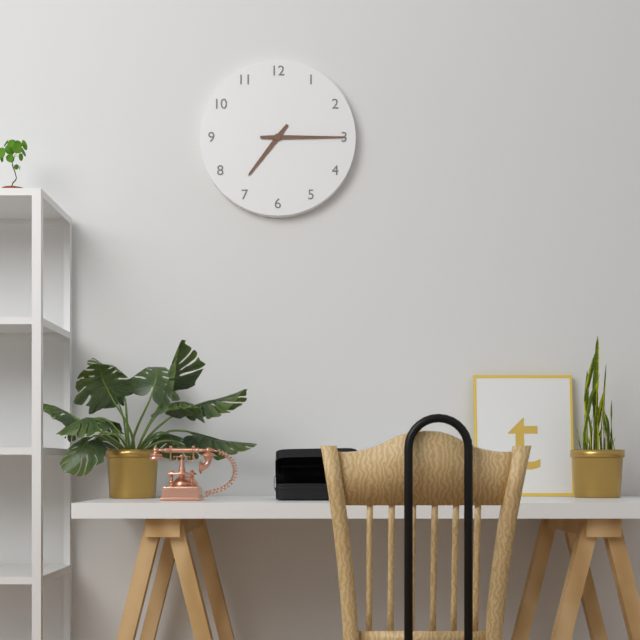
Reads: 7:15
